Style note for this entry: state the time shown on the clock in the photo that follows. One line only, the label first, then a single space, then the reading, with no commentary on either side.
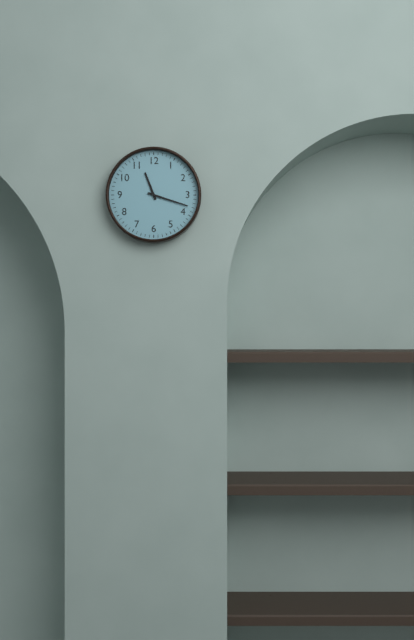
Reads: 11:18
